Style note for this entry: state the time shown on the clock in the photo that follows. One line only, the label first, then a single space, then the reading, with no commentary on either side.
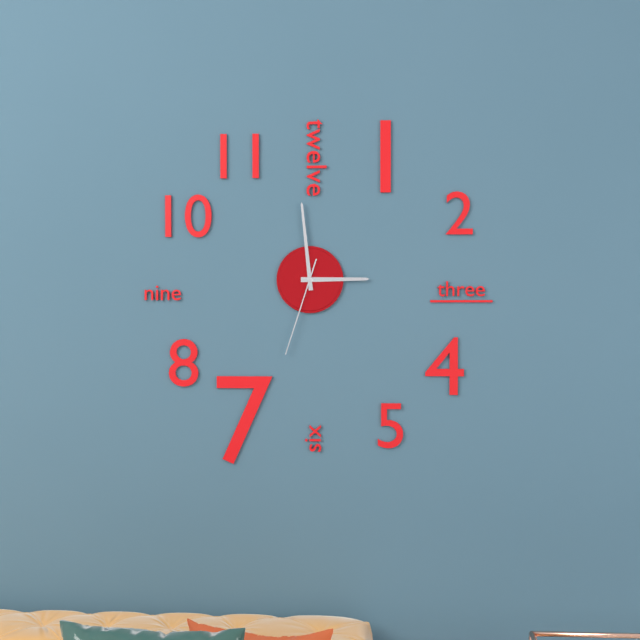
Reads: 2:59:33
